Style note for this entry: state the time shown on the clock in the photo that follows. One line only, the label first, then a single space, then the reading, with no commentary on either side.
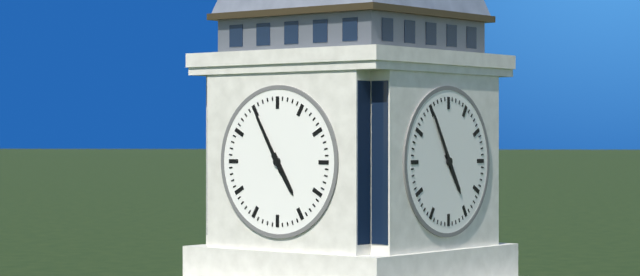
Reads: 4:55
